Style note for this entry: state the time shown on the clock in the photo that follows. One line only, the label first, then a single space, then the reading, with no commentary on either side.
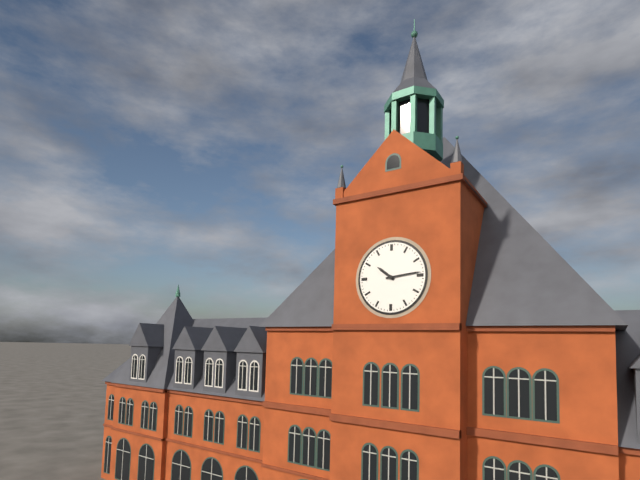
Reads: 10:14
